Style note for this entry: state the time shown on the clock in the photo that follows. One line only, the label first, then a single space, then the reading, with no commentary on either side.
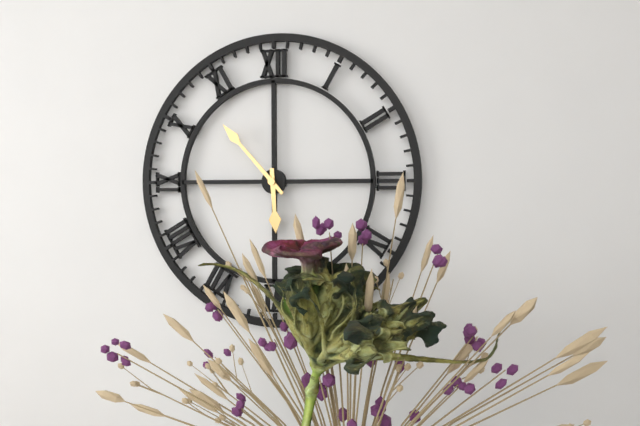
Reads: 5:53
